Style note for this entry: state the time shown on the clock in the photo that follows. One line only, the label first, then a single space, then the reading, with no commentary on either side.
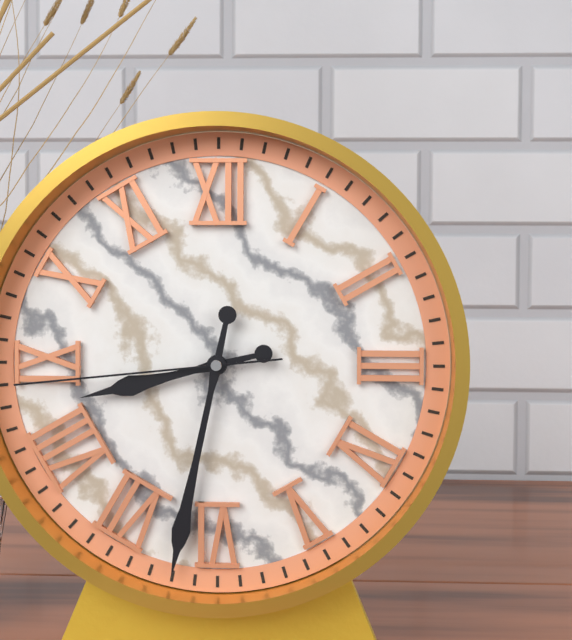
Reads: 8:32:44
